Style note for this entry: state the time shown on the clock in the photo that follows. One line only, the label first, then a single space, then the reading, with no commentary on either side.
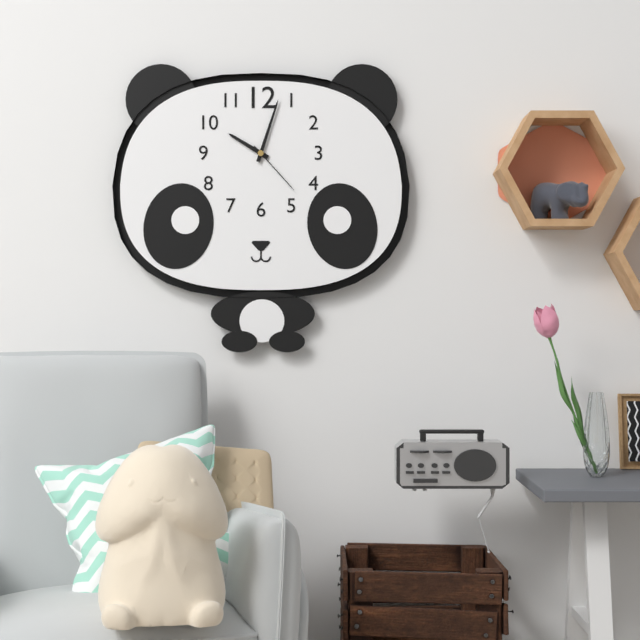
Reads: 10:03:23
